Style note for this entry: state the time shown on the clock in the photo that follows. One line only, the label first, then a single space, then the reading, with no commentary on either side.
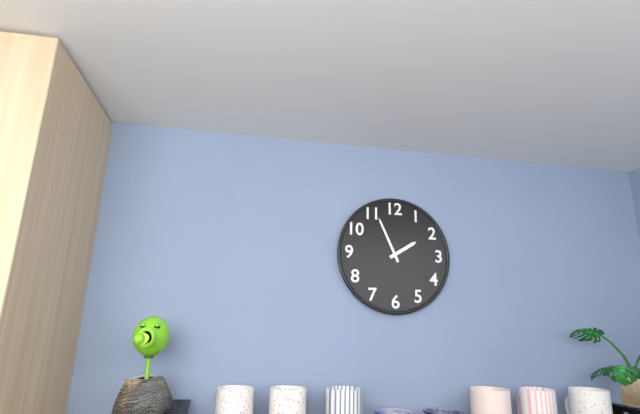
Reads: 1:56
